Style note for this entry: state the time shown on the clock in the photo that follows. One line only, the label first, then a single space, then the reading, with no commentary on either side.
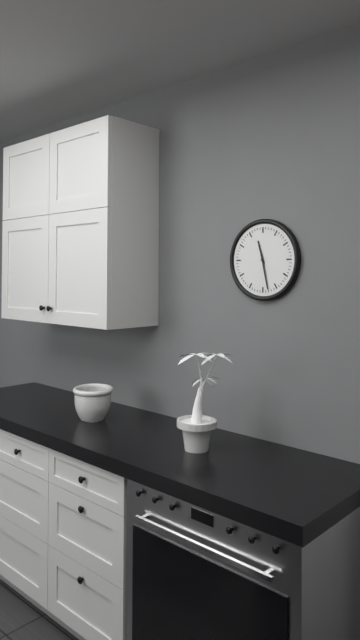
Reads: 11:28
